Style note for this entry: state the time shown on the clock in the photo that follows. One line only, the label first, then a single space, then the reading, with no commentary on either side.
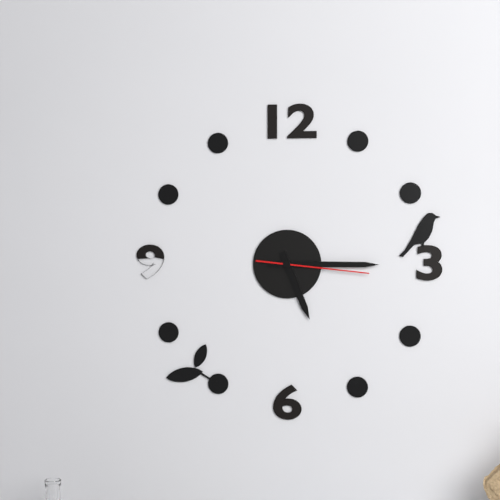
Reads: 5:15:16
